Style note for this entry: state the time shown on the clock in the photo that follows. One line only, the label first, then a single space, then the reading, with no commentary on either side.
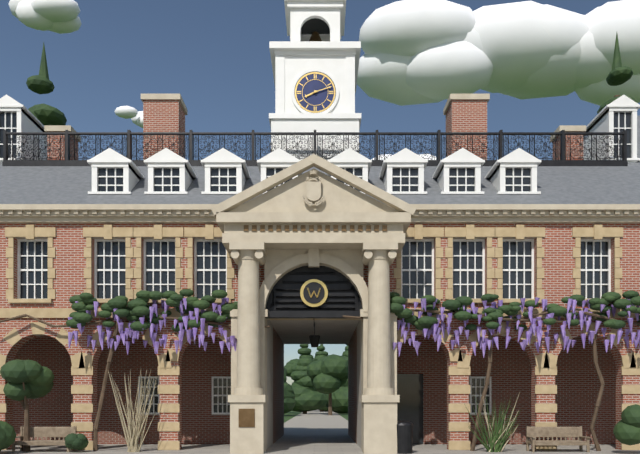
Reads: 8:12
